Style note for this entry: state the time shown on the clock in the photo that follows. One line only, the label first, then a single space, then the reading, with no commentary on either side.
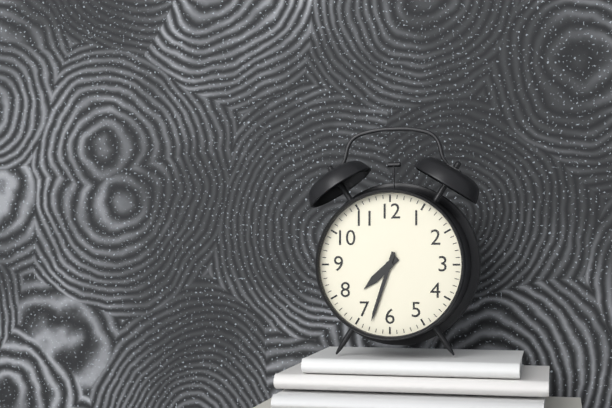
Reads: 7:33
